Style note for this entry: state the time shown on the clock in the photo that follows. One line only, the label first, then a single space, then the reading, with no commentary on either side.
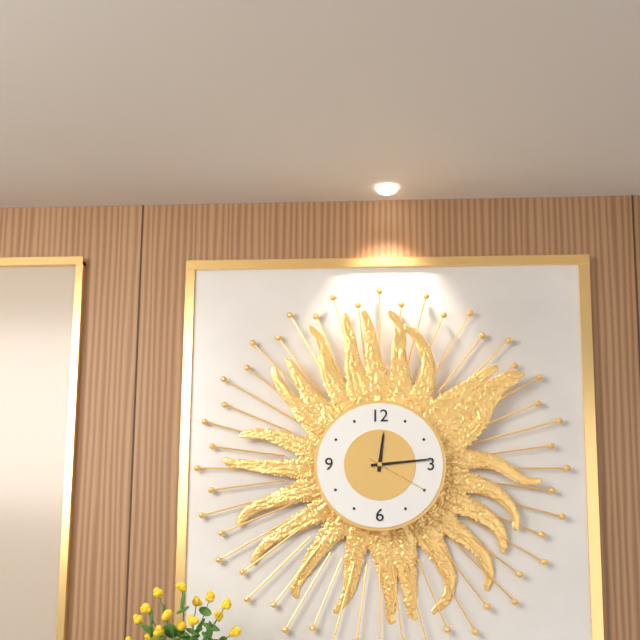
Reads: 12:14:20
